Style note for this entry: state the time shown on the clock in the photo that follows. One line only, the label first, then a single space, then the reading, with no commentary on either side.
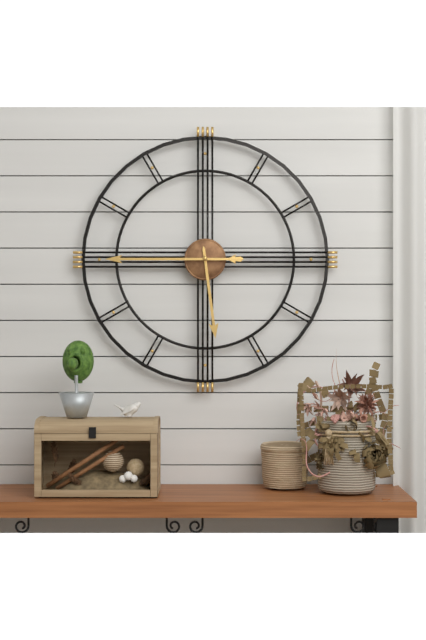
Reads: 5:45
